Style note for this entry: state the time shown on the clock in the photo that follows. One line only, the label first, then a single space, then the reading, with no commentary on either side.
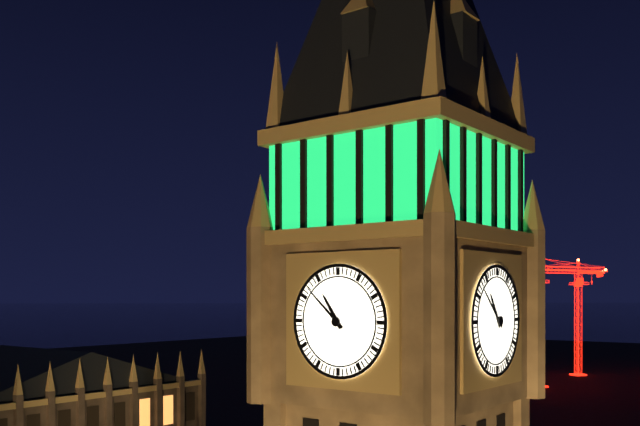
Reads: 10:52
